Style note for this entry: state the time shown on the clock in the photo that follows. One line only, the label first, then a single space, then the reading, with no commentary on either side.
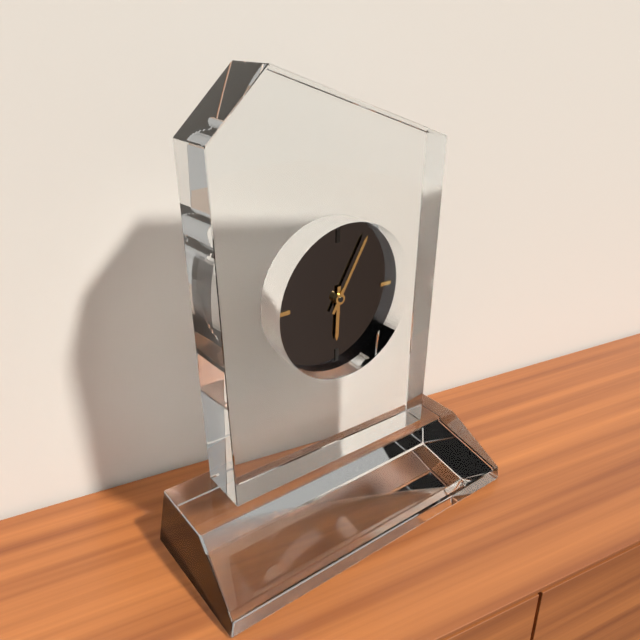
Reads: 6:05
